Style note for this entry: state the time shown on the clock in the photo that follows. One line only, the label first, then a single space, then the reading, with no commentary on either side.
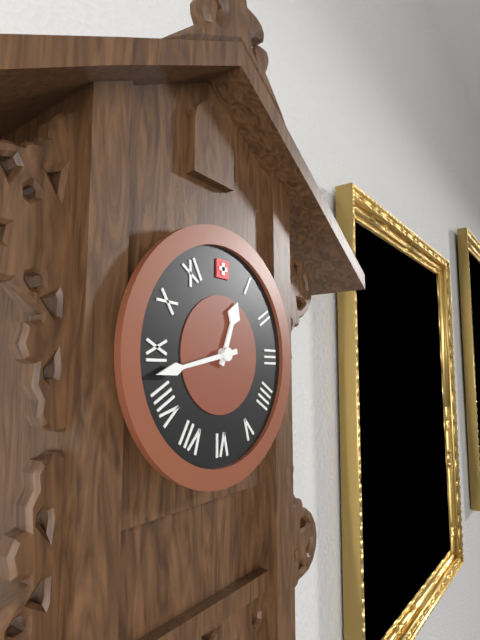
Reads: 12:43
